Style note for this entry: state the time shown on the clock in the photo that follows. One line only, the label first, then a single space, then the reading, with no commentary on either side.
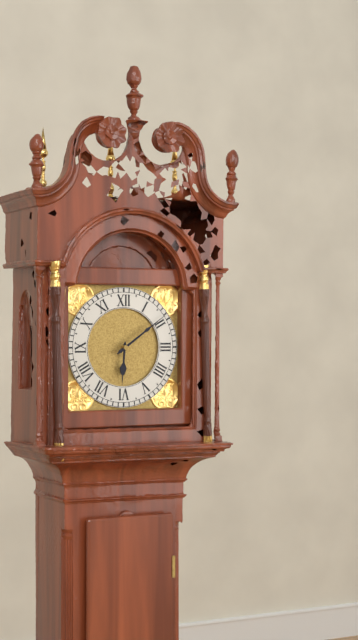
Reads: 6:09
